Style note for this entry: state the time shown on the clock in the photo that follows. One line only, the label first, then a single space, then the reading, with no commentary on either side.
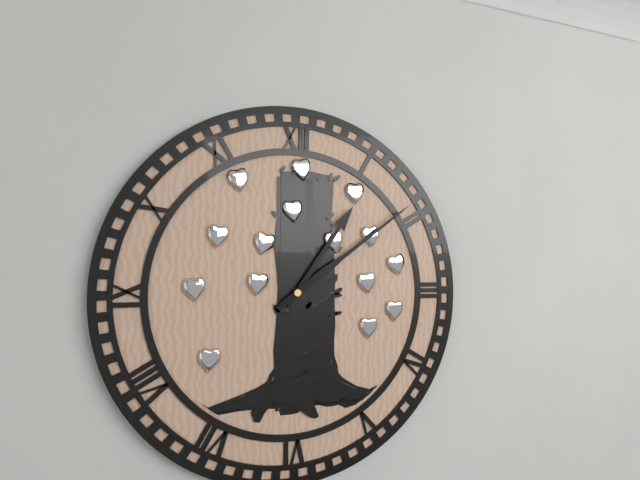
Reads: 1:09
